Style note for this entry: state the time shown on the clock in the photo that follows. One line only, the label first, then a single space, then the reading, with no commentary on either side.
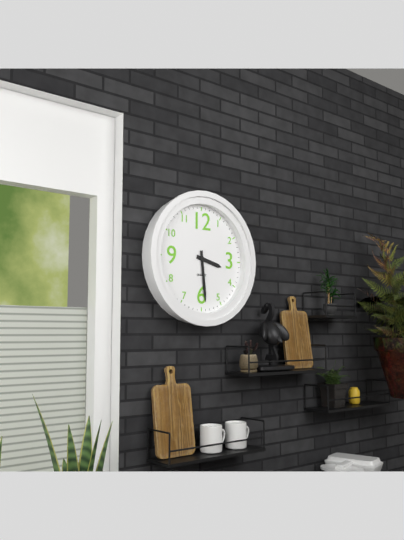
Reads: 3:29
